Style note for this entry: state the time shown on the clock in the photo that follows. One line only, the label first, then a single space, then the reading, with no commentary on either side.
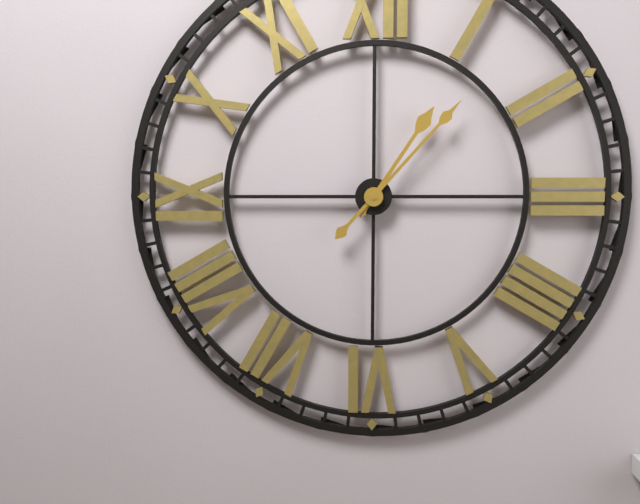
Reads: 1:07
